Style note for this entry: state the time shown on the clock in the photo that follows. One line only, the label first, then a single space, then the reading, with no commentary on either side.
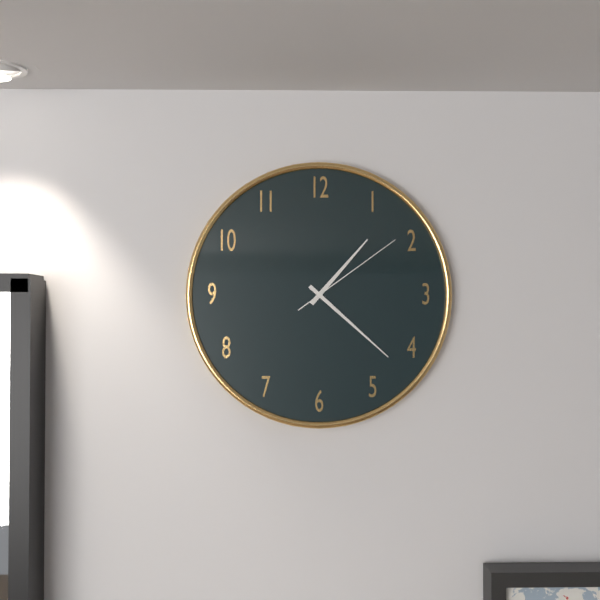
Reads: 1:22:09
